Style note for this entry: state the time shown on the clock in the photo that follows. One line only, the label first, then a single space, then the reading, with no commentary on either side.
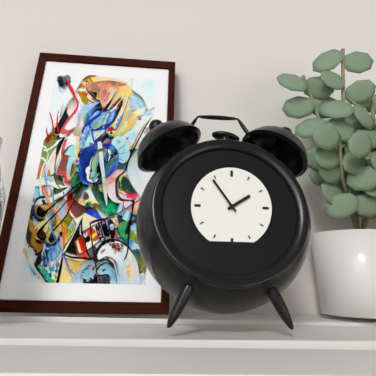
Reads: 1:54
